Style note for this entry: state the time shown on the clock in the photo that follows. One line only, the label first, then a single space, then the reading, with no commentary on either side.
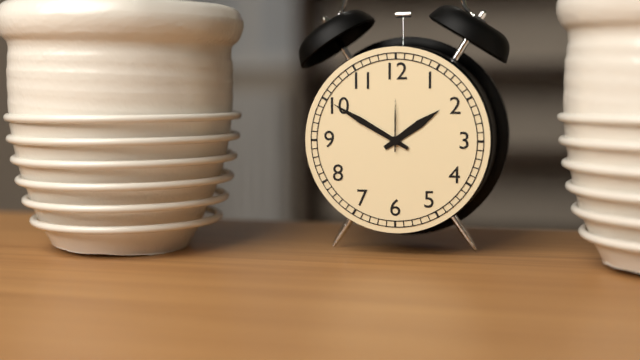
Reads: 1:50:00
